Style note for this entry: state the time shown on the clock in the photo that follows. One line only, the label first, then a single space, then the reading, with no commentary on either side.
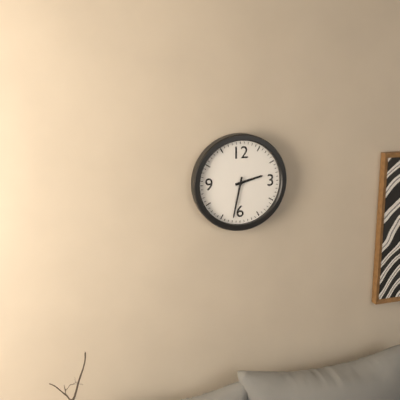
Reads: 2:32
